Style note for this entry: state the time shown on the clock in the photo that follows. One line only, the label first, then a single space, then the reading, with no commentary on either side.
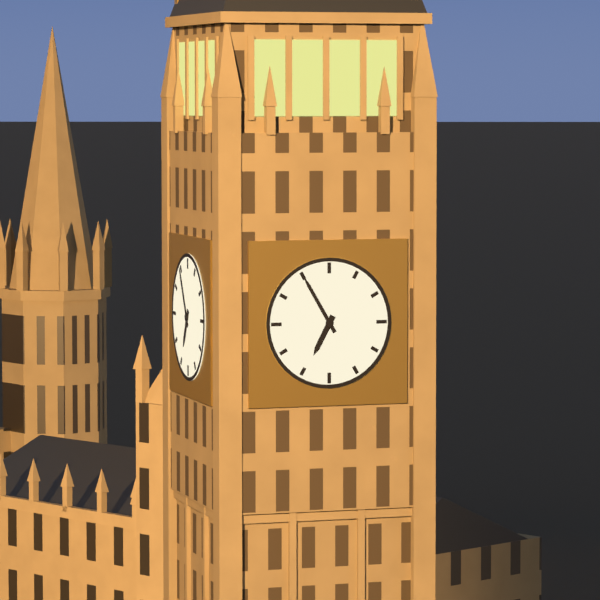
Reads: 6:55
